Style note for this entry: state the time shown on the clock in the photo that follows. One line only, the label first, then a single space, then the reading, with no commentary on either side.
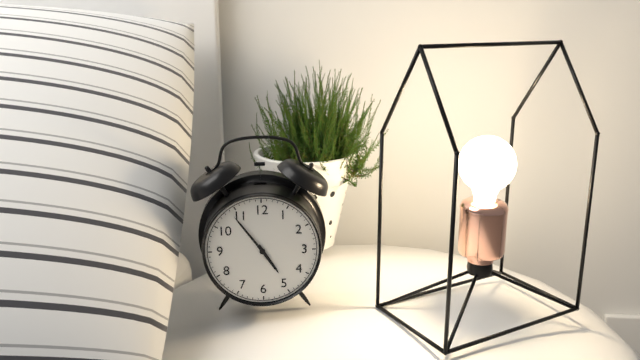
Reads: 4:54
